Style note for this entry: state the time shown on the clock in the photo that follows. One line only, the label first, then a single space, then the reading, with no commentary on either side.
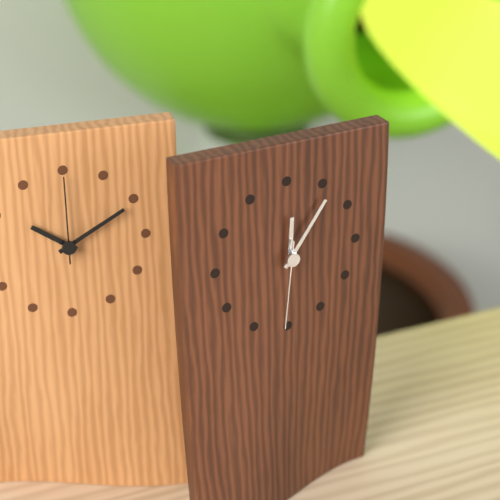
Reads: 12:06:31
